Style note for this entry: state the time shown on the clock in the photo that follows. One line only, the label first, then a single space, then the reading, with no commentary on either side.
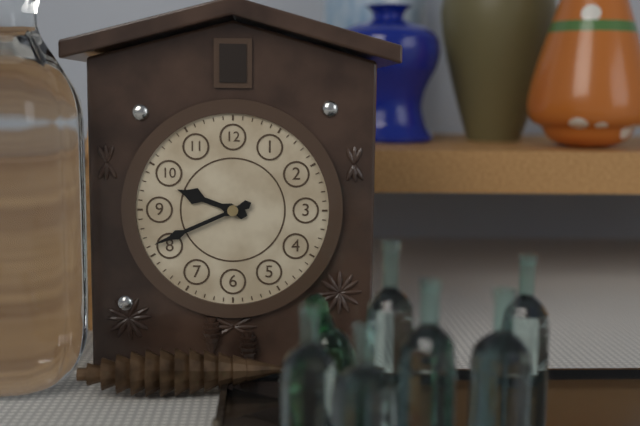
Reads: 9:41
